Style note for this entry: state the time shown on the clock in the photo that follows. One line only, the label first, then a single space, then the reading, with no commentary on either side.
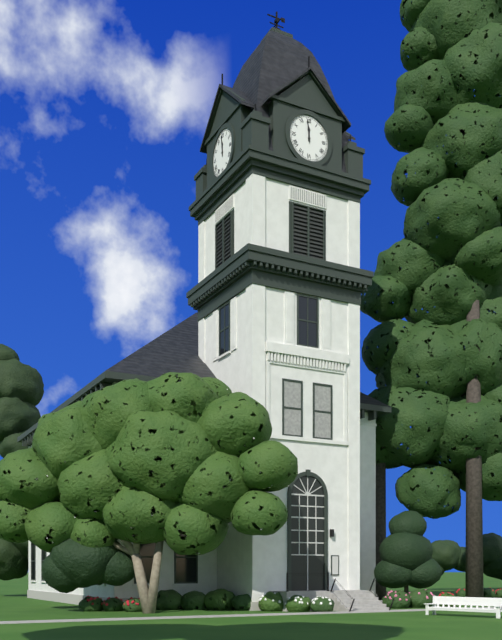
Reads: 11:59
